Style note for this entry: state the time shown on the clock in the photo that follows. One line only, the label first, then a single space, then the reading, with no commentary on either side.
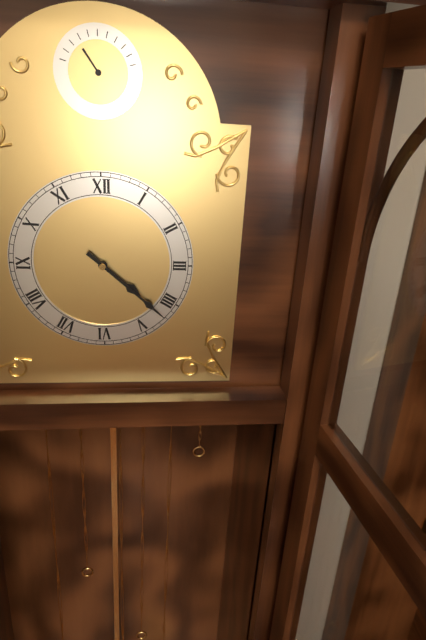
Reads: 4:22
